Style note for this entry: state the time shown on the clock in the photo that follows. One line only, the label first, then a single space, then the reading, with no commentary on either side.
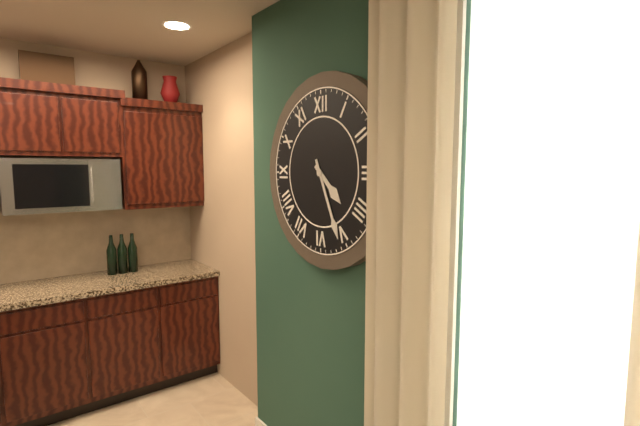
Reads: 4:26
